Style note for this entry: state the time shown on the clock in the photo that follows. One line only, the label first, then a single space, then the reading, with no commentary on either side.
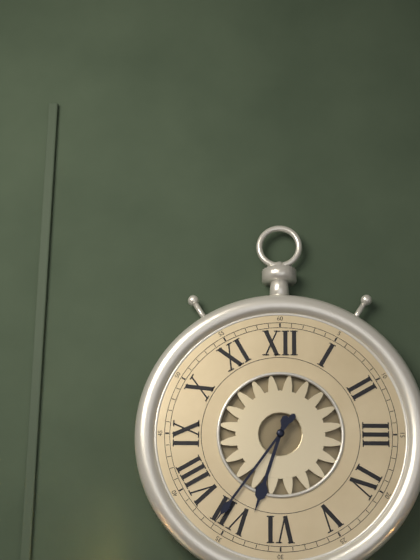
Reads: 6:36
